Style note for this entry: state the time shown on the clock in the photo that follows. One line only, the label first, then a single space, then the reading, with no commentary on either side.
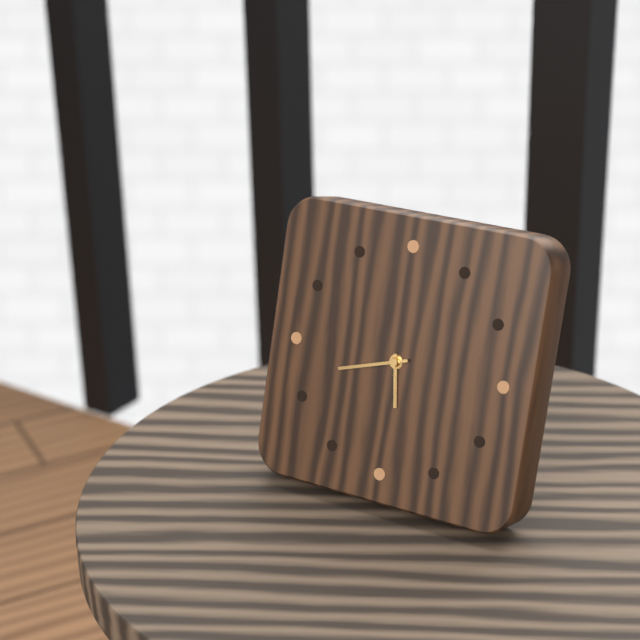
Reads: 5:42
